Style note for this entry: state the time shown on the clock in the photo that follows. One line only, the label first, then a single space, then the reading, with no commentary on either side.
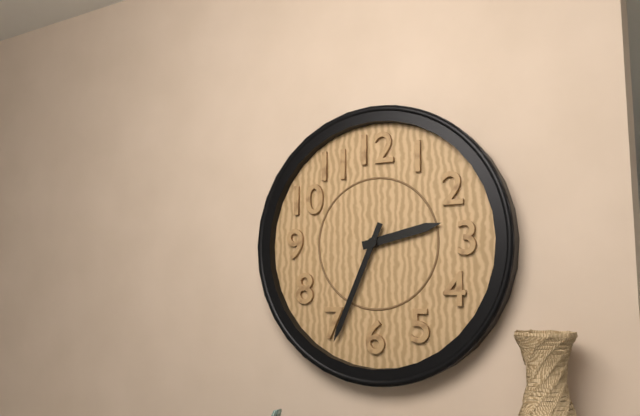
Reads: 2:34
